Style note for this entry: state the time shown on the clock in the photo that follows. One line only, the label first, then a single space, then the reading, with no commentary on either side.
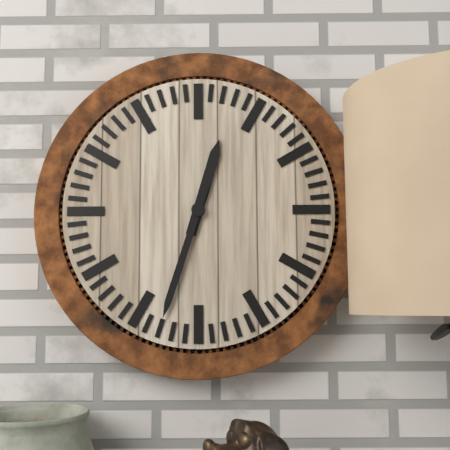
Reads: 12:33
